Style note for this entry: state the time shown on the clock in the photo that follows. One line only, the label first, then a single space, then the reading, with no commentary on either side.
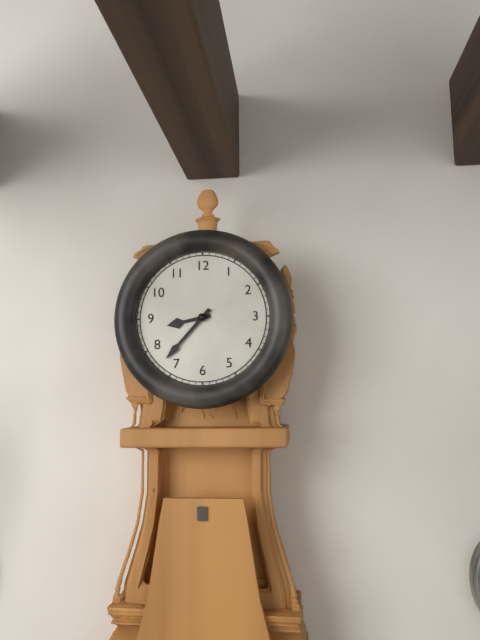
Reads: 8:37
